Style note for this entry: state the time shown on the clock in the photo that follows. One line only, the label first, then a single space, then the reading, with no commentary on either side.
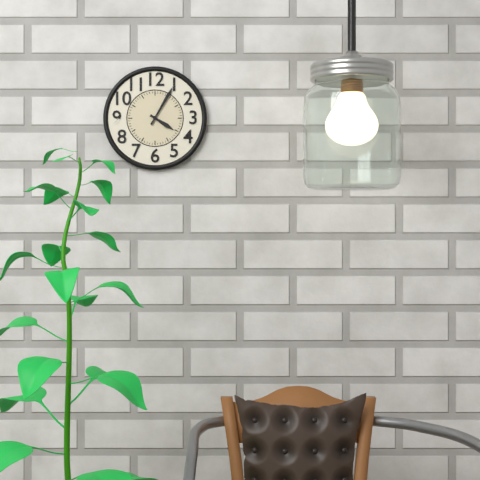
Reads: 4:05
